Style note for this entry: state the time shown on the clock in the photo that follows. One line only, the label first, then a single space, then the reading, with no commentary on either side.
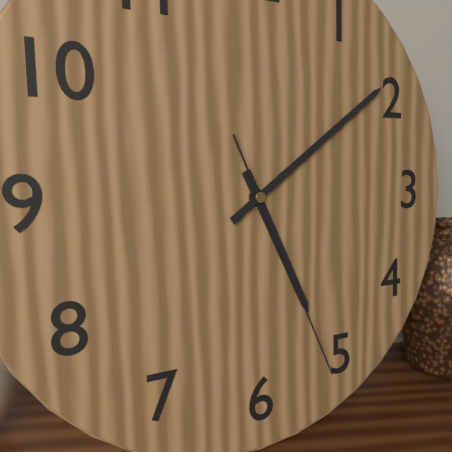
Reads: 5:09:26
